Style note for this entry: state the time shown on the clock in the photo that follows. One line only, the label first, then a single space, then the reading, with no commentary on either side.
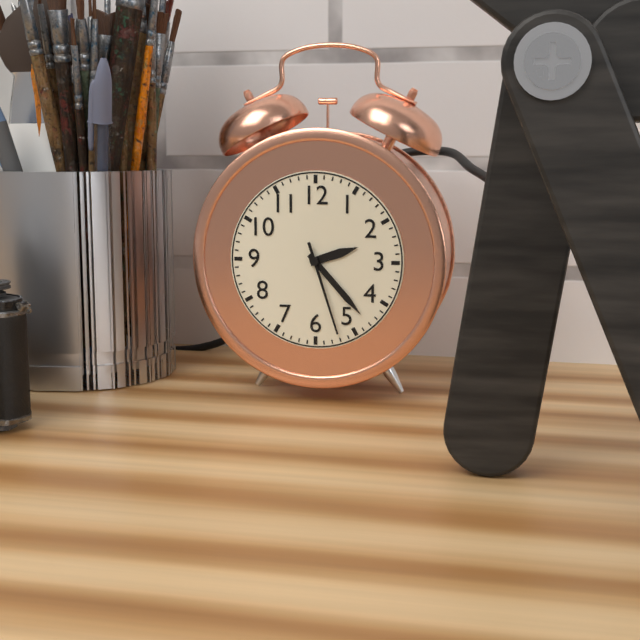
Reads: 2:23:27
